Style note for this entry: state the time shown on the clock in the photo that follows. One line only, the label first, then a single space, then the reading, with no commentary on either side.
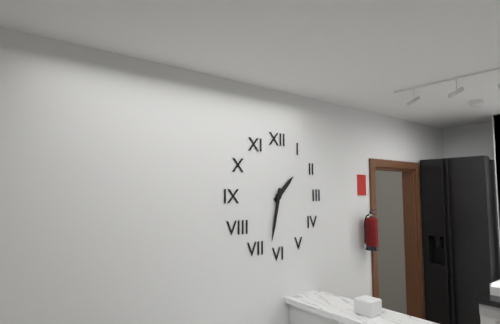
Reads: 1:32
